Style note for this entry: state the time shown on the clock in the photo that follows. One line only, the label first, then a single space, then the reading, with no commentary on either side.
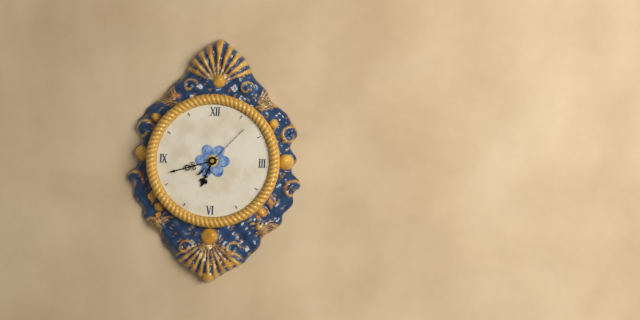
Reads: 6:42:07
